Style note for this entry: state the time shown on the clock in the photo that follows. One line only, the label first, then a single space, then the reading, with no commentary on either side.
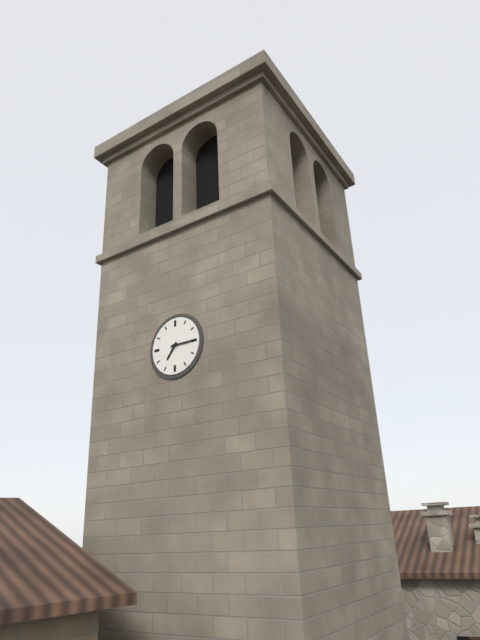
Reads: 7:15
